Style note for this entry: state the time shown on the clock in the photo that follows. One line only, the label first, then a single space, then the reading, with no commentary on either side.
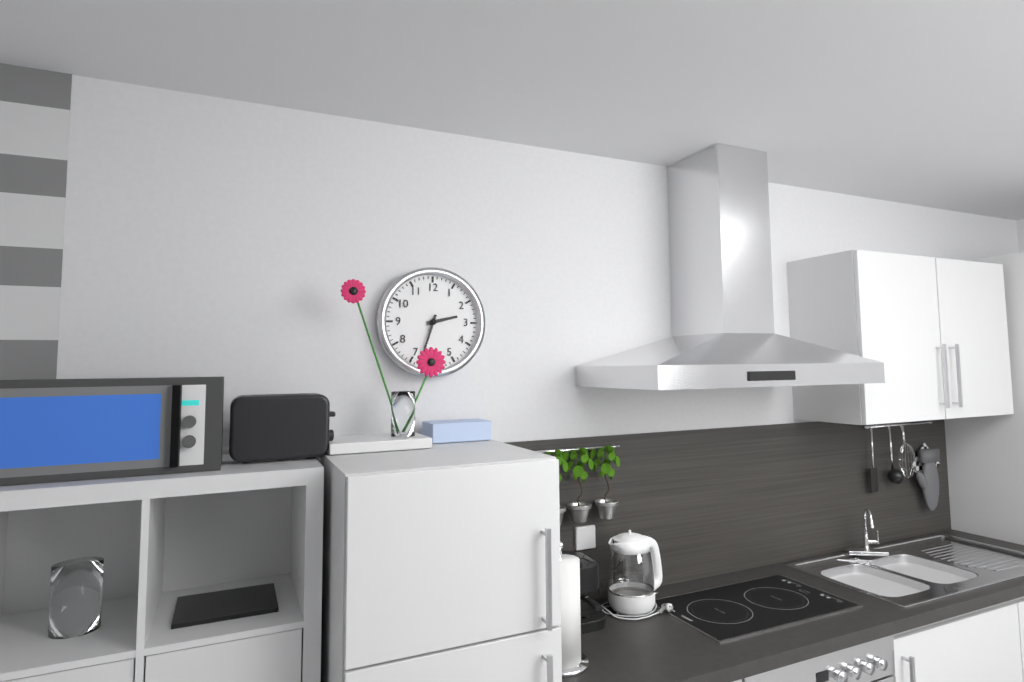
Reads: 2:33
